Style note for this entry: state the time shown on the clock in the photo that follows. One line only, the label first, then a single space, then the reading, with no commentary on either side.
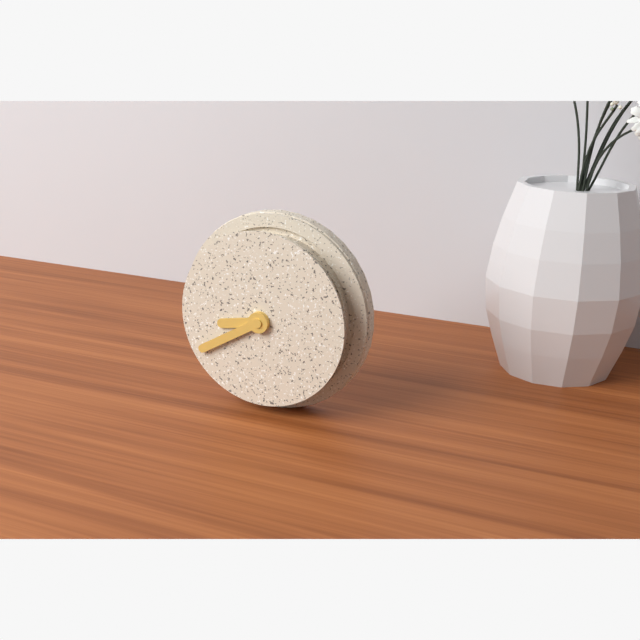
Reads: 8:40
